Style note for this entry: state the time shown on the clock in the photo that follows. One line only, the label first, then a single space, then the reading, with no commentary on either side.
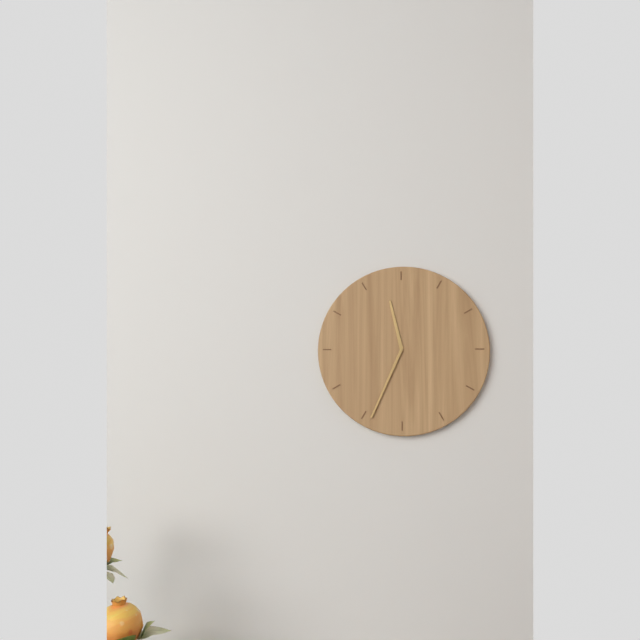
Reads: 11:34
